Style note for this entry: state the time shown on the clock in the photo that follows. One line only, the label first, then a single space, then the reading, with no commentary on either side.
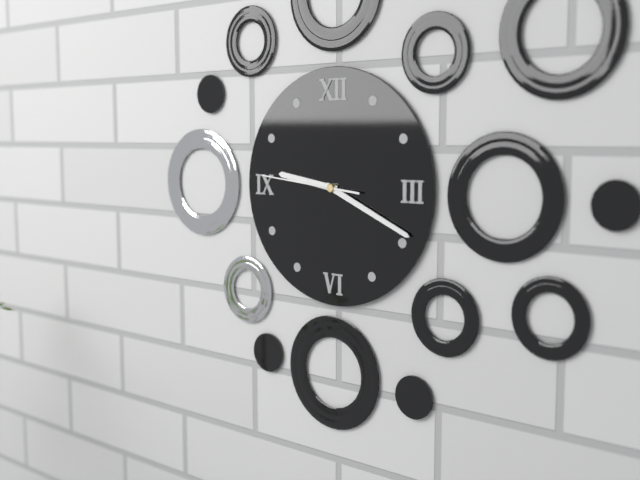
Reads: 9:19:46
